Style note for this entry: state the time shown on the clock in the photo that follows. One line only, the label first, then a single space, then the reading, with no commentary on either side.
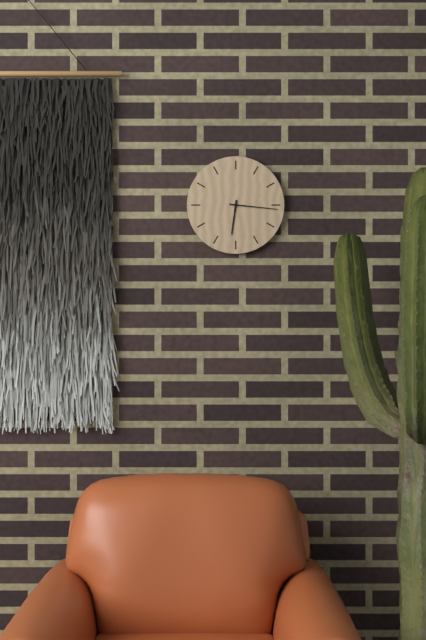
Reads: 6:16
